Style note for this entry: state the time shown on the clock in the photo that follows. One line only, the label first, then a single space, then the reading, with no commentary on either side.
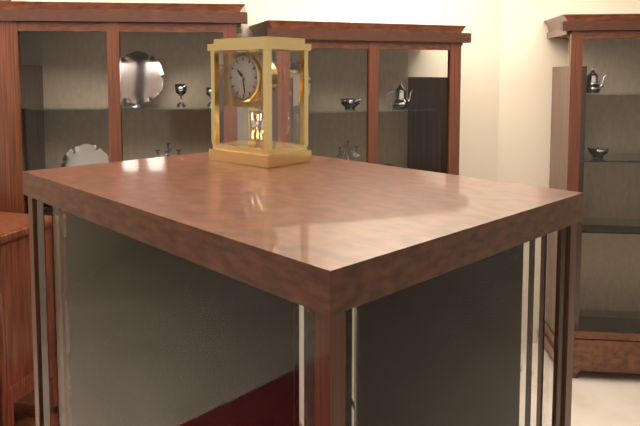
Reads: 10:28
